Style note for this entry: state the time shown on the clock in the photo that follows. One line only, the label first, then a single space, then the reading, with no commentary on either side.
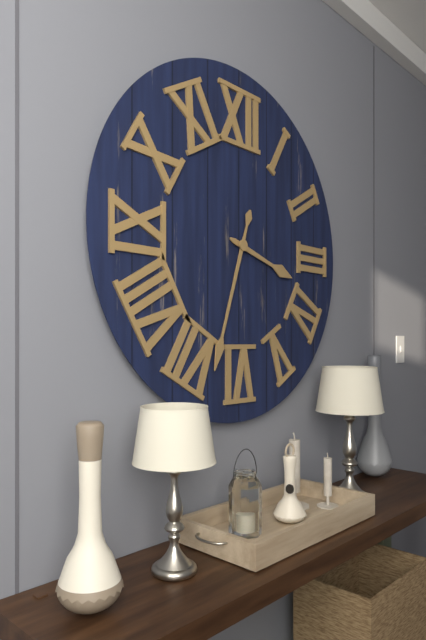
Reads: 3:33
